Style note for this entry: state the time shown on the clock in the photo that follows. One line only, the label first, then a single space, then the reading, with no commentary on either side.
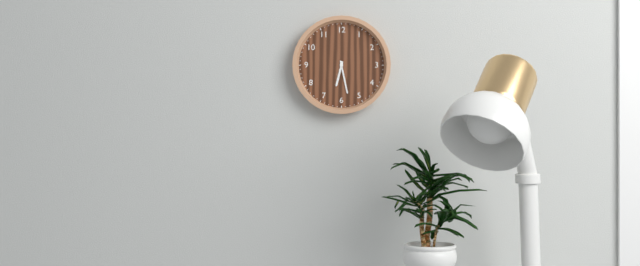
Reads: 6:28
